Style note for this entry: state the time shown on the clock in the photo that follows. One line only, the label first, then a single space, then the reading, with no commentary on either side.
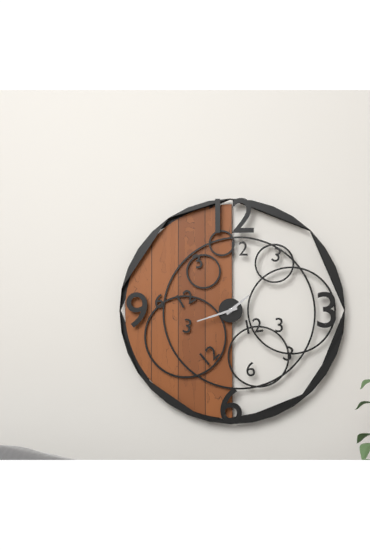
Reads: 1:42
